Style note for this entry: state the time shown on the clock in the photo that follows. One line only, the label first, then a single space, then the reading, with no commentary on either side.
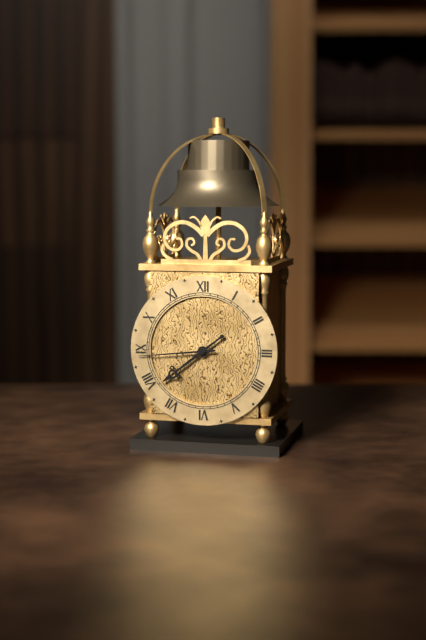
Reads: 7:44
